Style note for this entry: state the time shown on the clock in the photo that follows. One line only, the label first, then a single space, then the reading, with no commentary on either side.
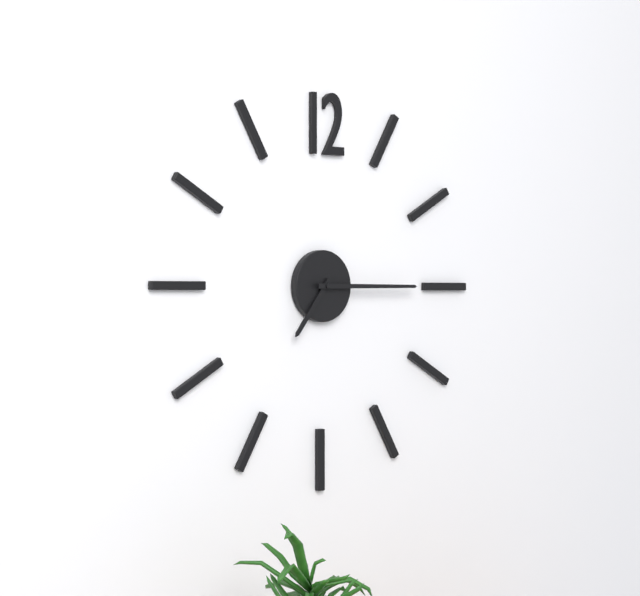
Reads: 7:15
